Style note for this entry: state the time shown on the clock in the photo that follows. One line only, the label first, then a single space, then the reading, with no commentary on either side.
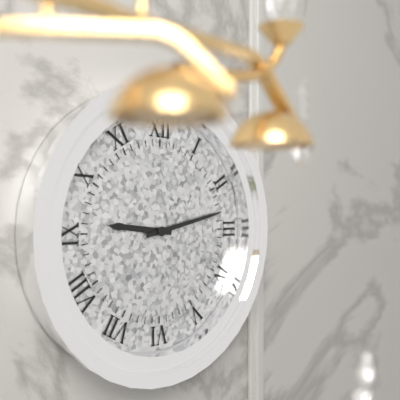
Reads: 9:13
